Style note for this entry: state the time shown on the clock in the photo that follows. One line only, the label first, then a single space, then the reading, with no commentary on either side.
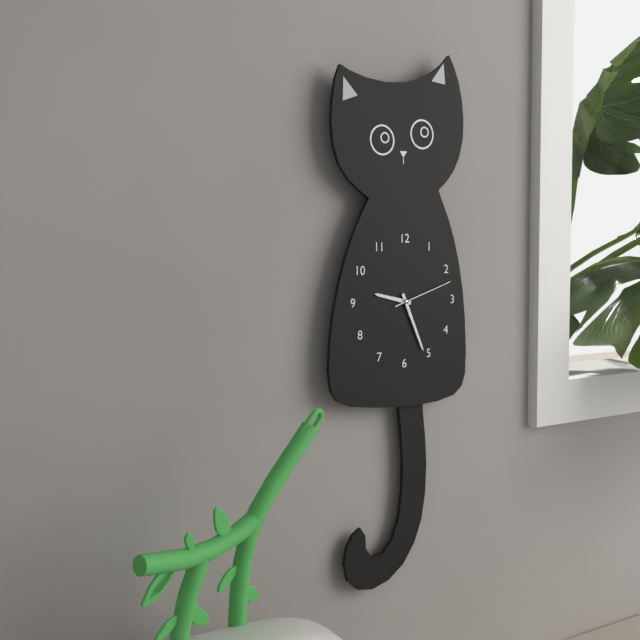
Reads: 9:26:12
